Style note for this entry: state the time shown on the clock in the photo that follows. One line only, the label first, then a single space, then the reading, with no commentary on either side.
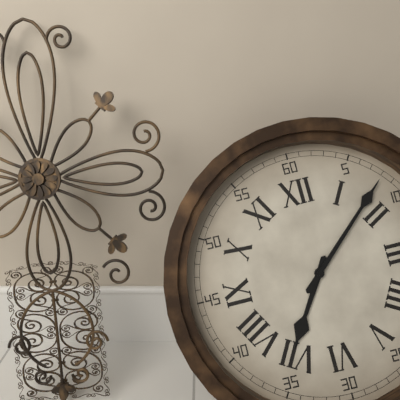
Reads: 7:08
